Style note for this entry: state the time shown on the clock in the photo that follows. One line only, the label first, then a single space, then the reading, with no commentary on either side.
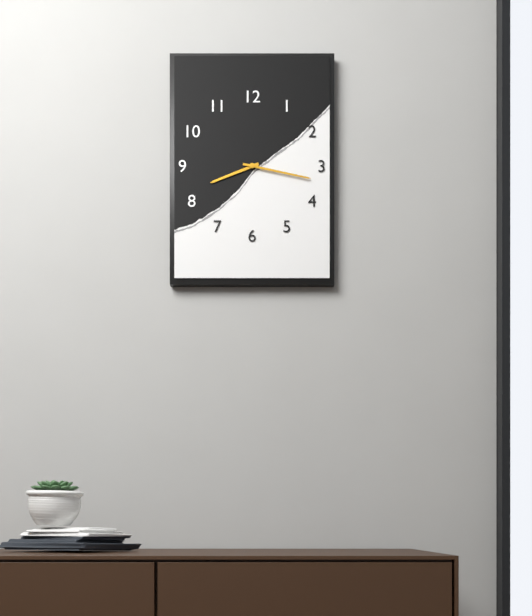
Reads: 8:17
